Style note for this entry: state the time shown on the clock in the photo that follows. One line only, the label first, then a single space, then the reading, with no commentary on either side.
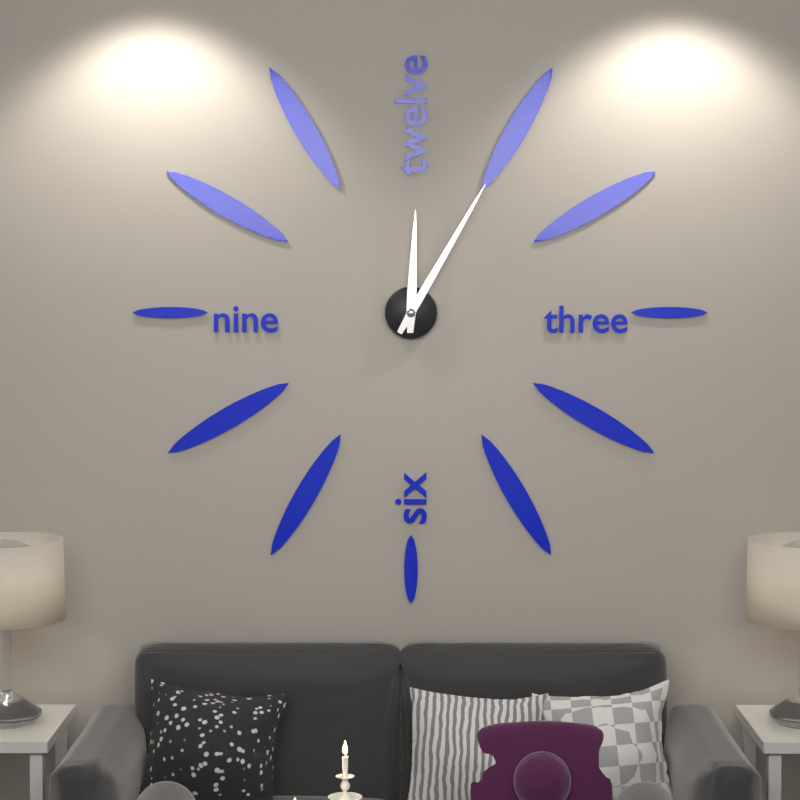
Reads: 12:05
